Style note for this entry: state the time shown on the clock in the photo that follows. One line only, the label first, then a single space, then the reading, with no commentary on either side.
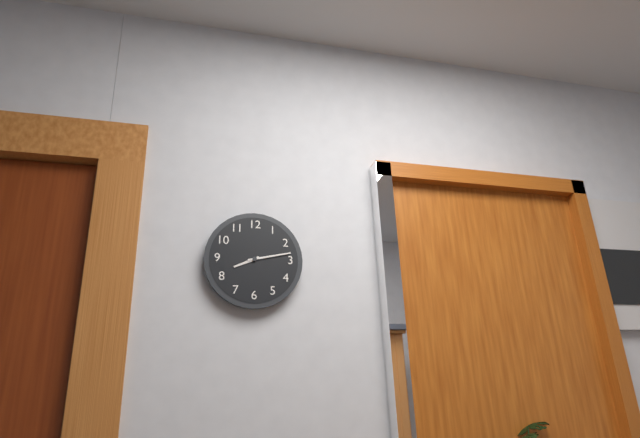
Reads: 8:13
